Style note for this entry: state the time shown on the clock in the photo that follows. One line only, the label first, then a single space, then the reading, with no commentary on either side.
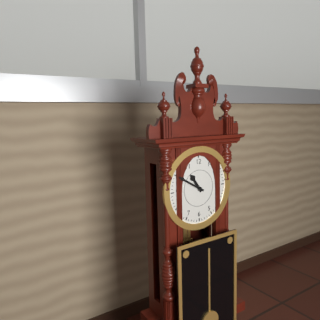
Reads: 10:50
